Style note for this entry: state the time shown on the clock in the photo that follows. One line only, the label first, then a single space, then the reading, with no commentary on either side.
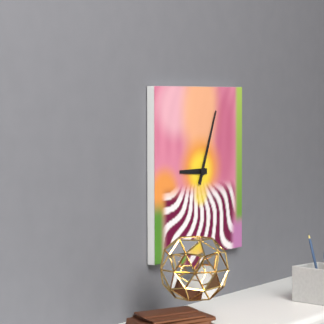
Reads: 9:04
